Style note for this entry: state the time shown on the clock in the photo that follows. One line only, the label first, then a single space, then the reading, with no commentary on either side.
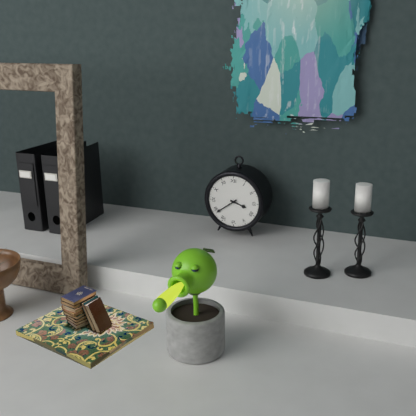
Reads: 3:39
